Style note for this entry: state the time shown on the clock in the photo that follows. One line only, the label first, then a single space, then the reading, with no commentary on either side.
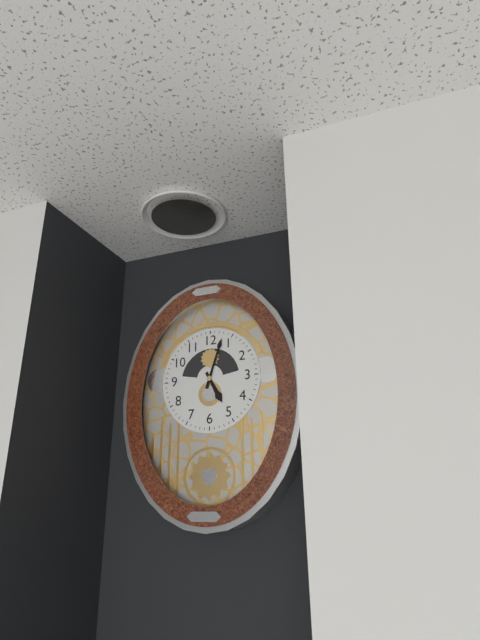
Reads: 5:03
